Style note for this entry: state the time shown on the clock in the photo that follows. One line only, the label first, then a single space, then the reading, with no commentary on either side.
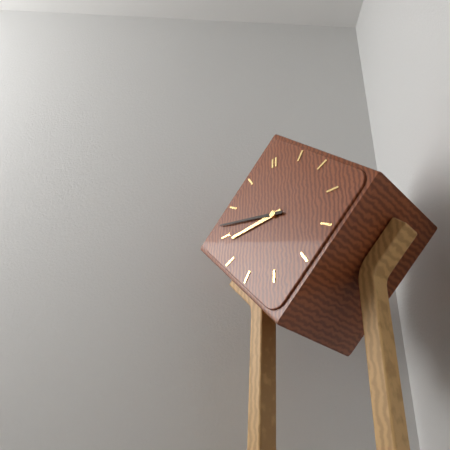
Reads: 8:47
